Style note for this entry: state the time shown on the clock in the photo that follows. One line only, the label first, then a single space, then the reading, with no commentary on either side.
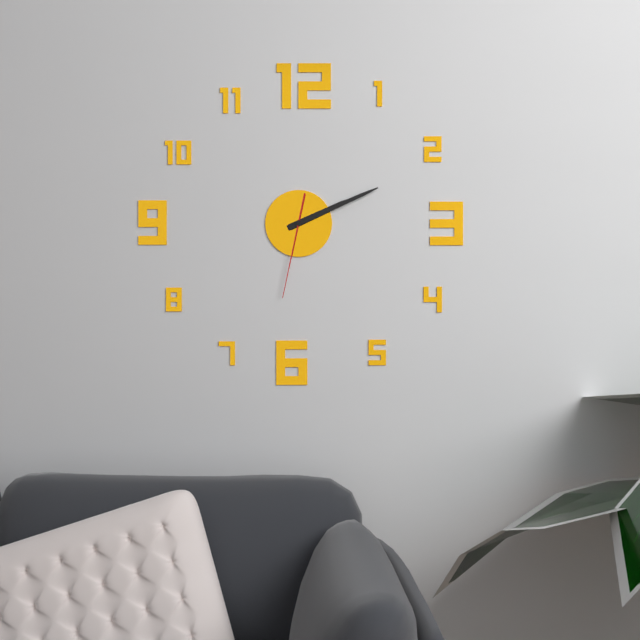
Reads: 2:11:32
